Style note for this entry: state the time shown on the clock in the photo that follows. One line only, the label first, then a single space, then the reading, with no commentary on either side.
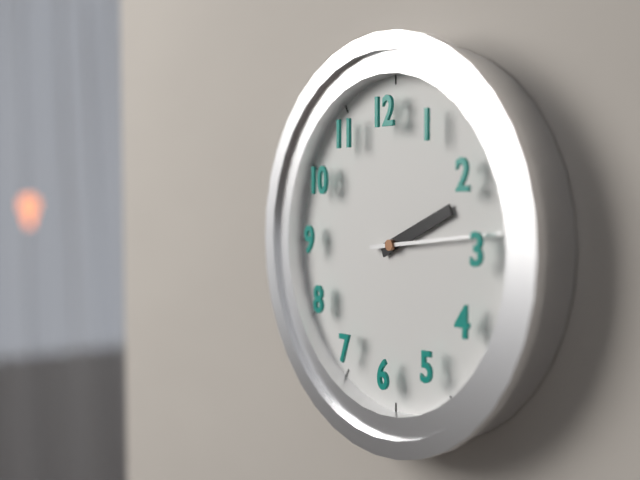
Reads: 2:14
